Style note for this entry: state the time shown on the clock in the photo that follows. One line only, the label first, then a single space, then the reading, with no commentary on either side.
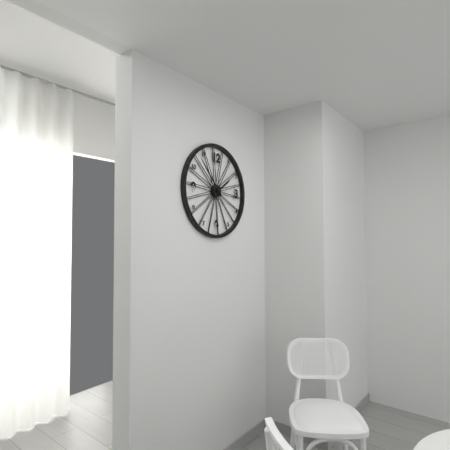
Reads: 1:53
